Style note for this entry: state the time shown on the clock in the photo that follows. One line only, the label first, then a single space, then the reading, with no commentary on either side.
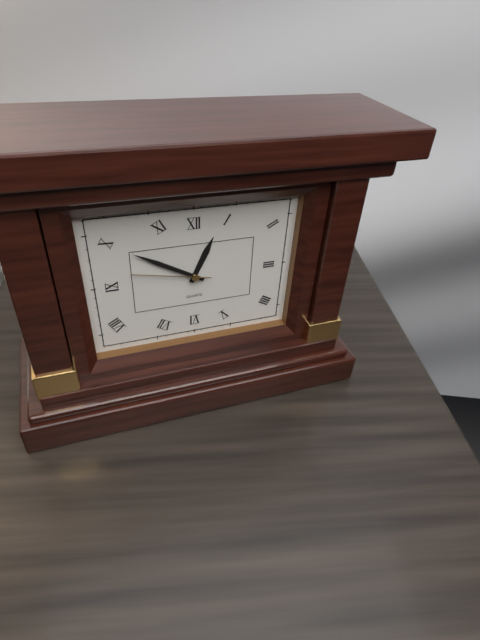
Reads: 12:50:47
